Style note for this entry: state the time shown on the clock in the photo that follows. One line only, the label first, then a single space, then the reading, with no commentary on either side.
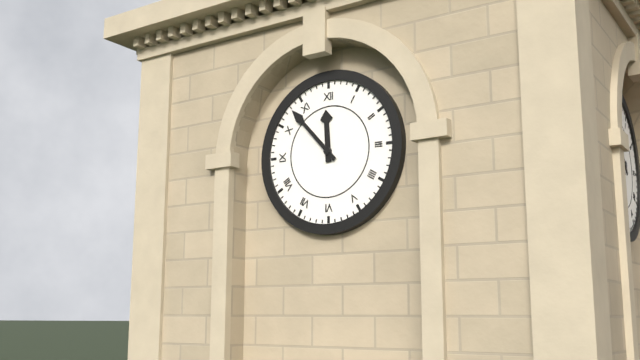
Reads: 11:53
